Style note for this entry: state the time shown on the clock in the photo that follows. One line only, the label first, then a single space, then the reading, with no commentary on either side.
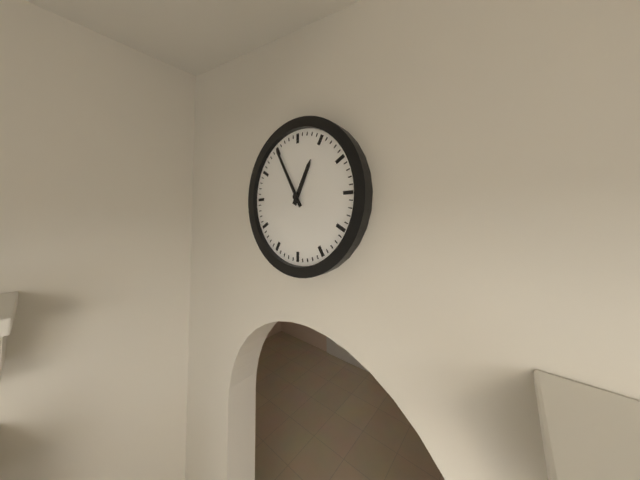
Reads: 12:55
